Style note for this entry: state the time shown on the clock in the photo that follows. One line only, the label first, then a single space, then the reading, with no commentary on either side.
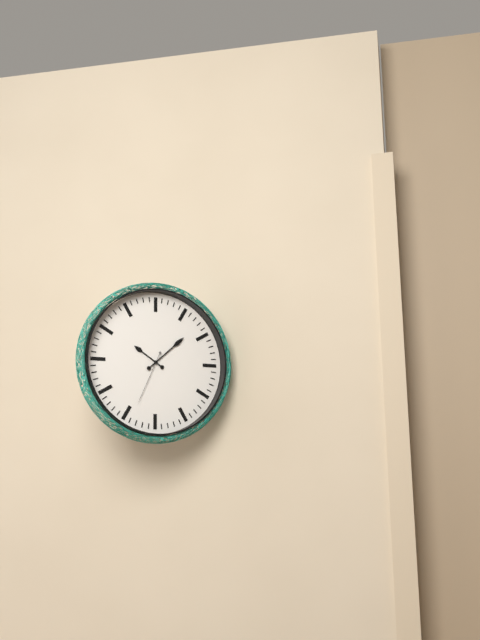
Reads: 10:08:34
